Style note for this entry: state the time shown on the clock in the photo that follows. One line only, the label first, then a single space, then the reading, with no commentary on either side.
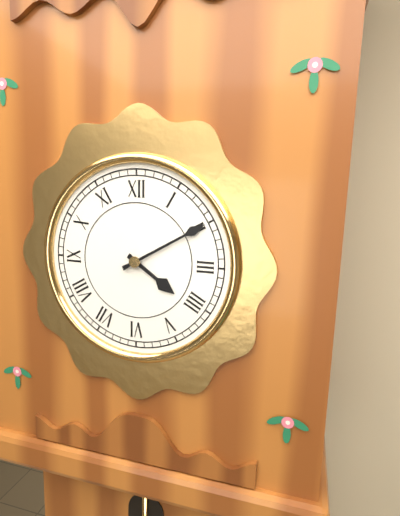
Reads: 4:10
